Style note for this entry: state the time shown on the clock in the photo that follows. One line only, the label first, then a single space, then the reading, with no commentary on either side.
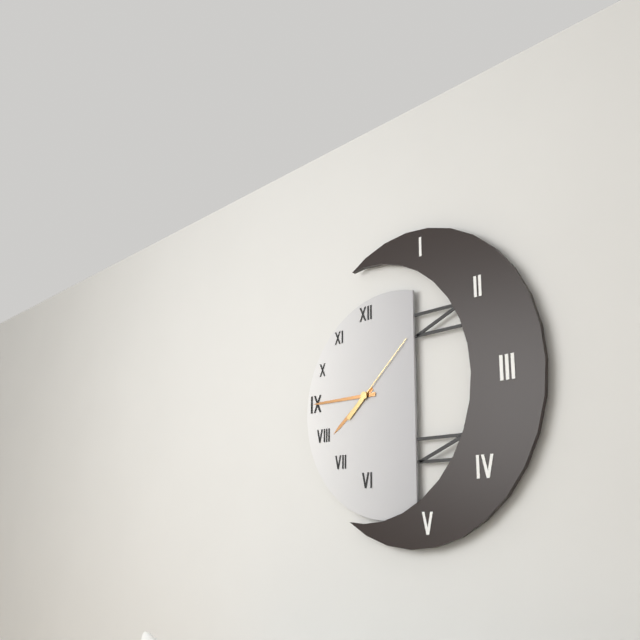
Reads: 7:45:08
